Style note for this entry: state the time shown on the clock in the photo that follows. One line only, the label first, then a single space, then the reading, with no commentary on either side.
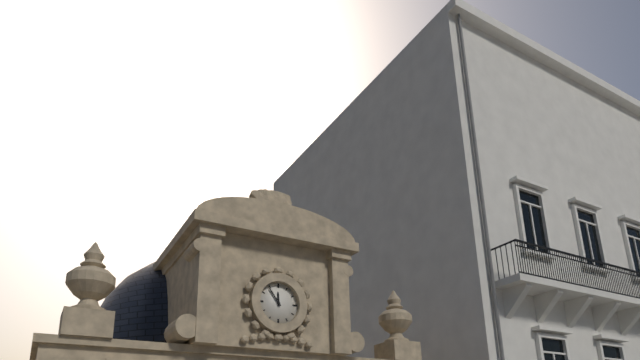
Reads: 11:54
